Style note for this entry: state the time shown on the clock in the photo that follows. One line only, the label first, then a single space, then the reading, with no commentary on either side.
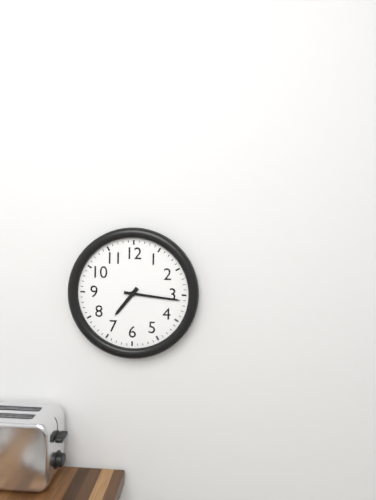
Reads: 7:16
